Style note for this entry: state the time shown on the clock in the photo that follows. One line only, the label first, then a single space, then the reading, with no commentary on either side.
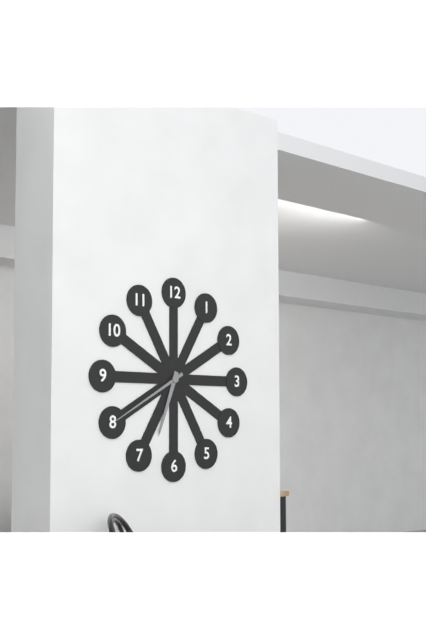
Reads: 6:40
